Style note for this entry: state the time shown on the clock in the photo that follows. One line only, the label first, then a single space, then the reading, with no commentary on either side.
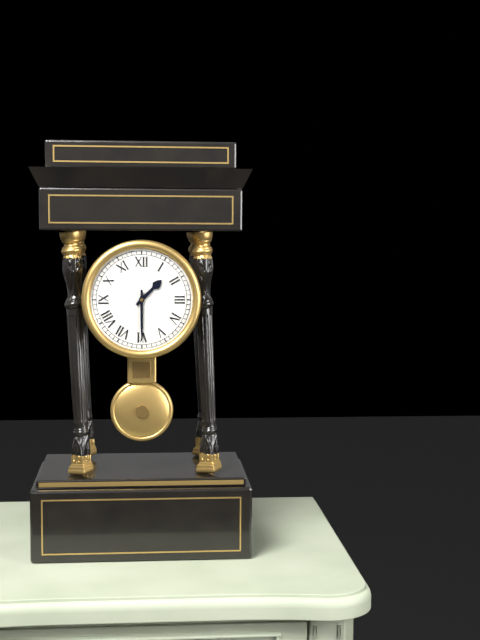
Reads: 1:30
